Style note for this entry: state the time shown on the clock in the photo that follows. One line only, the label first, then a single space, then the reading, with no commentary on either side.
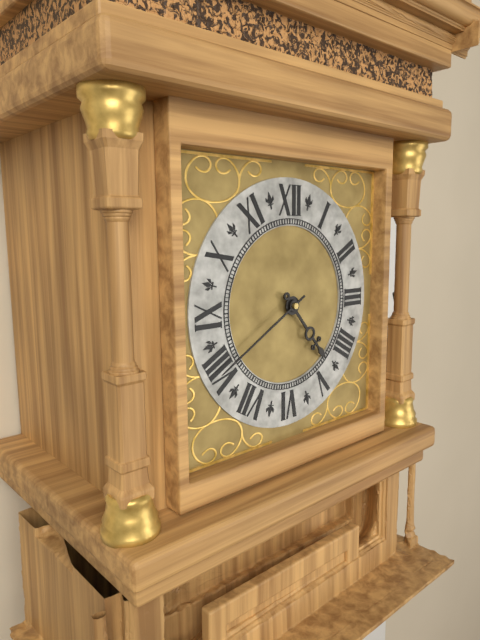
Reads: 4:40
